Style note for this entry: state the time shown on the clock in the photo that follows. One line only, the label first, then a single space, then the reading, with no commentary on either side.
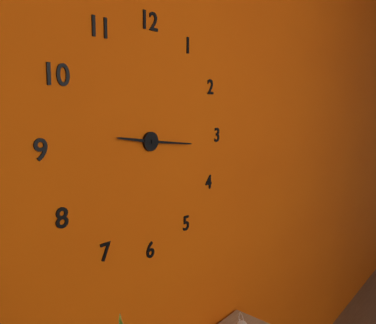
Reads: 9:16
